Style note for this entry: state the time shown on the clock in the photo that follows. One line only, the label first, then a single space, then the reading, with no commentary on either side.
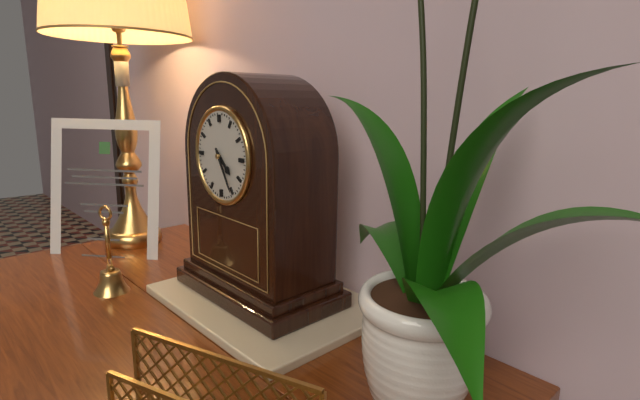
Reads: 4:25
